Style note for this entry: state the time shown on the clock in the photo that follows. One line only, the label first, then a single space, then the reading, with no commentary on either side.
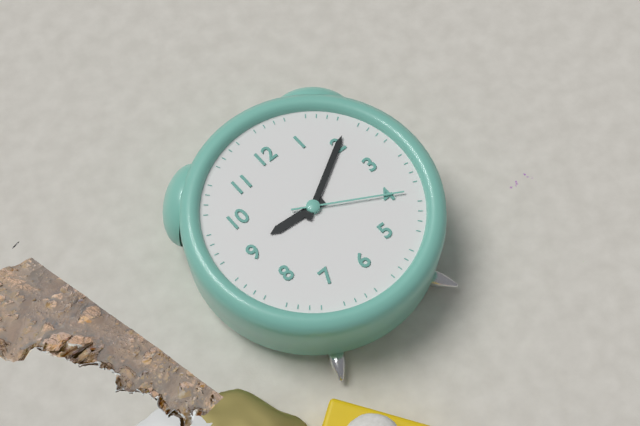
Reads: 9:10:20
